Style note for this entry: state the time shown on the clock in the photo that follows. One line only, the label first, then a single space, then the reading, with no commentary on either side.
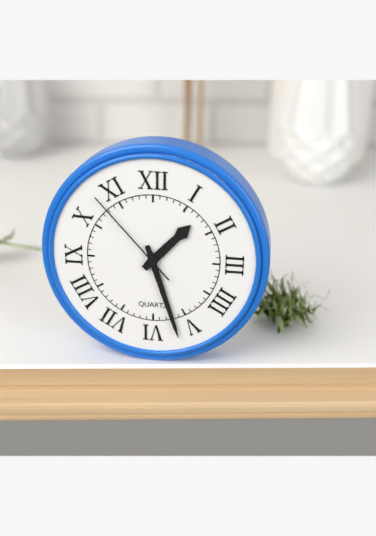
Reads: 1:27:53
